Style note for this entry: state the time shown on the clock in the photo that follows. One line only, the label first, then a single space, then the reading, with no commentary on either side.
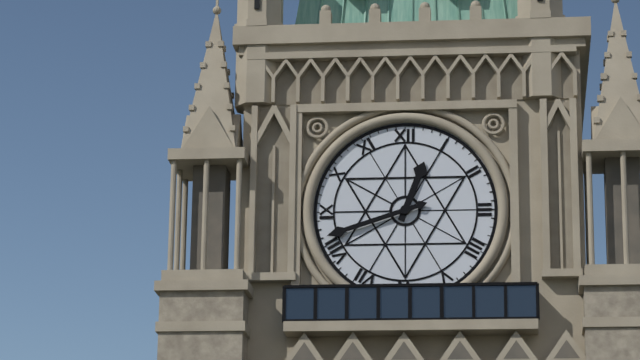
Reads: 12:42
